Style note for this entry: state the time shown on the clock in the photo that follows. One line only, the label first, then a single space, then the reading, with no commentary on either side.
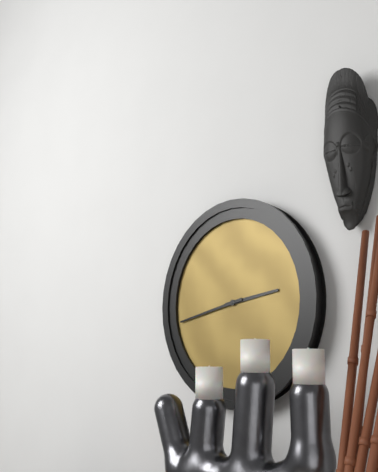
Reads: 2:43
